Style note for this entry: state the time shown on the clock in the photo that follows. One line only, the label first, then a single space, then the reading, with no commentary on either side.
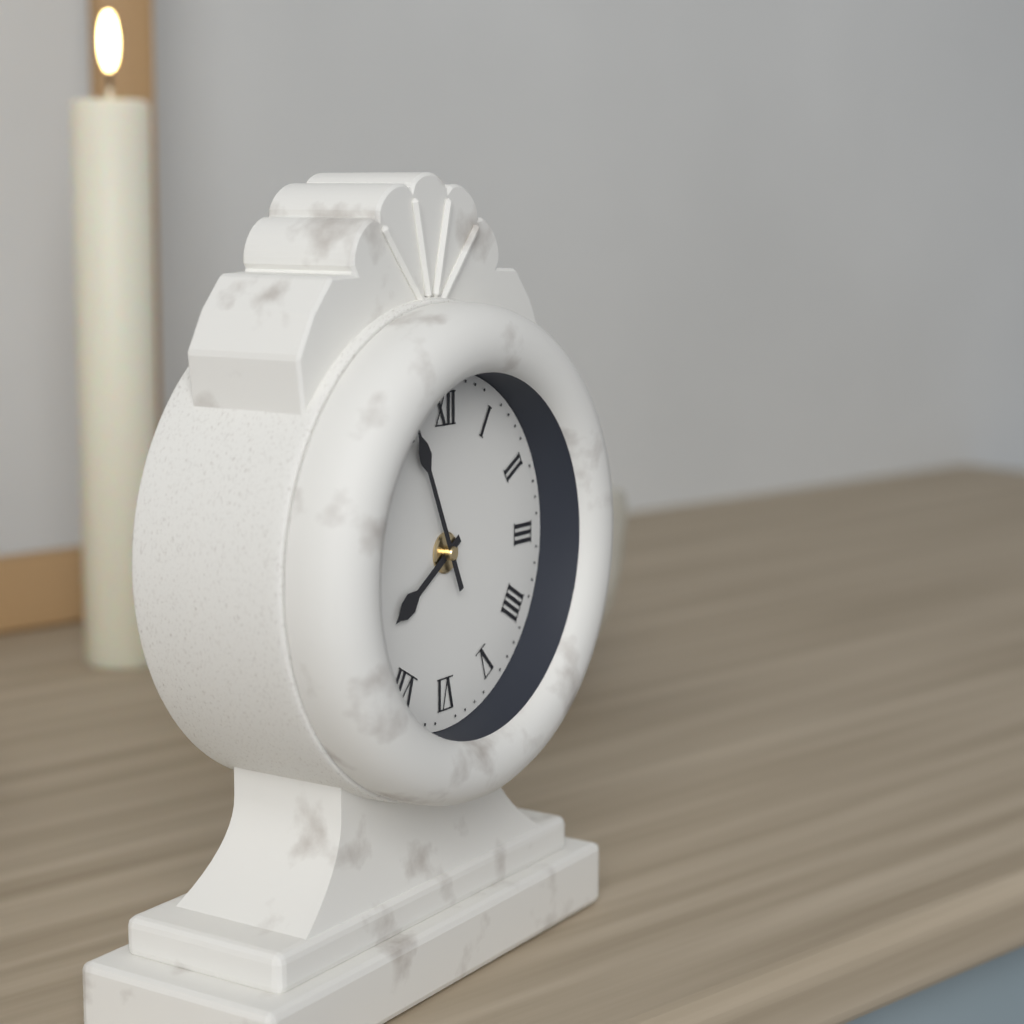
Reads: 7:56
